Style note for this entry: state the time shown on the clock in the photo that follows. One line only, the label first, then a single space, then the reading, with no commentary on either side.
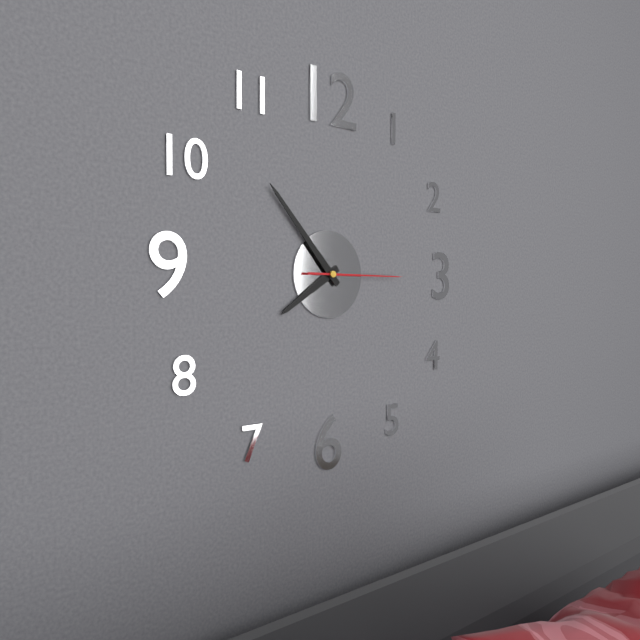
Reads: 7:53:15
